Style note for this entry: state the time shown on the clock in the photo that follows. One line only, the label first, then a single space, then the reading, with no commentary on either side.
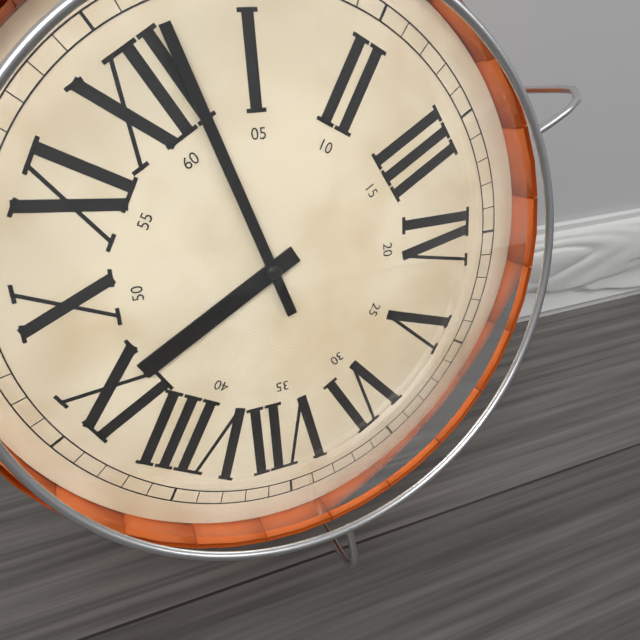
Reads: 9:02
